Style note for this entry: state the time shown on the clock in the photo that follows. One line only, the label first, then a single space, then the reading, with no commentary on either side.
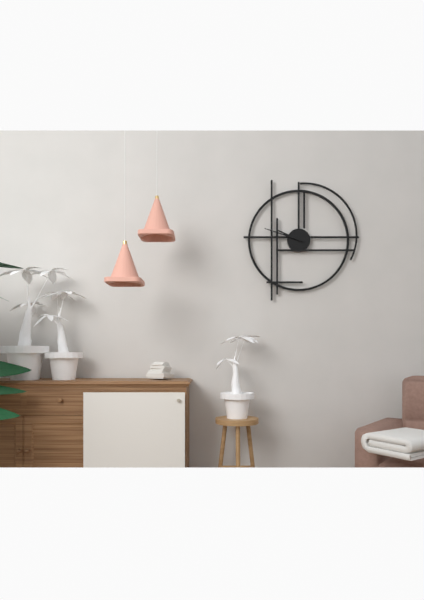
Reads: 9:48
